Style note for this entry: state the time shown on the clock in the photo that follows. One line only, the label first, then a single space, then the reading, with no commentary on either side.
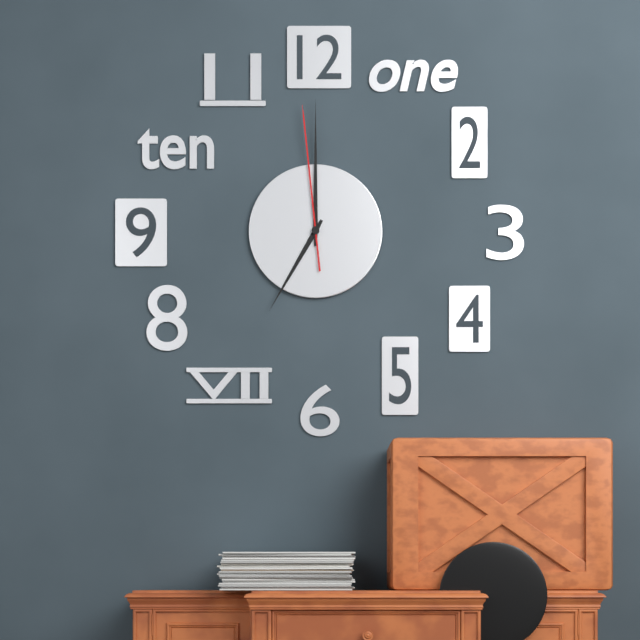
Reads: 7:00:59
